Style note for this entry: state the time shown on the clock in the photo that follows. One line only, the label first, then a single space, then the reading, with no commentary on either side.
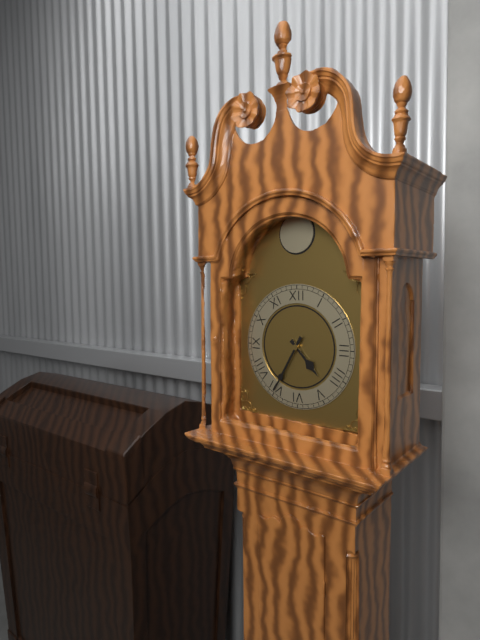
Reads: 4:35
